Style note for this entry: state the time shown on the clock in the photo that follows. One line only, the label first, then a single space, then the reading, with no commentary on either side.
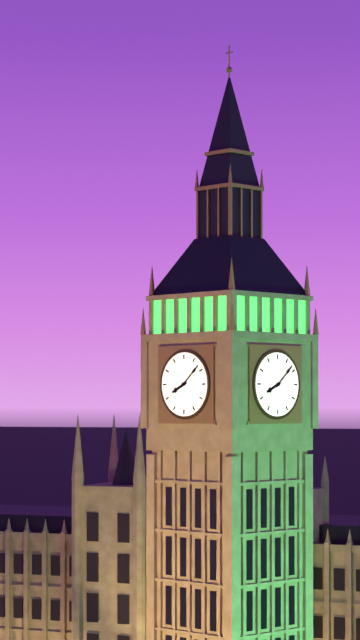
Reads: 8:08
